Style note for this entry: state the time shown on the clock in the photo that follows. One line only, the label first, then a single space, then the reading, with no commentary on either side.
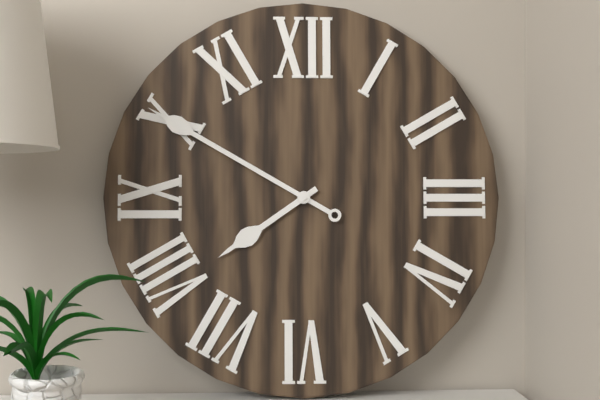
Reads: 7:50
